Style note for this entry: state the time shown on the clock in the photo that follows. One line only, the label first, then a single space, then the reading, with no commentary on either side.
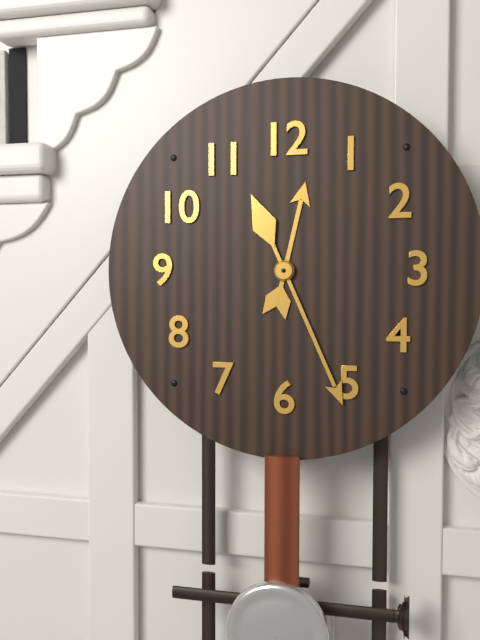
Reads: 12:26
